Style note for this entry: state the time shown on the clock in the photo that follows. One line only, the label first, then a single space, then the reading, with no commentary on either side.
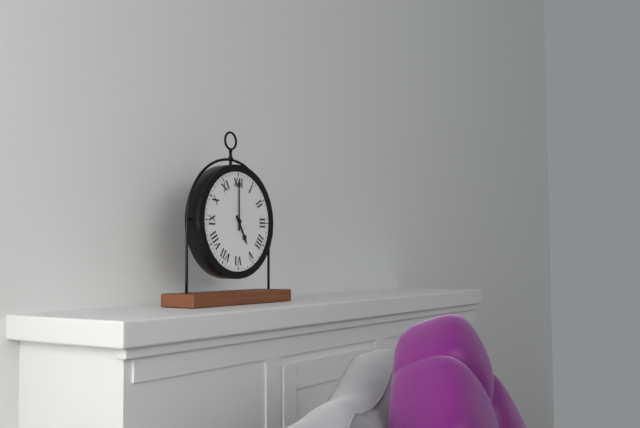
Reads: 5:00
